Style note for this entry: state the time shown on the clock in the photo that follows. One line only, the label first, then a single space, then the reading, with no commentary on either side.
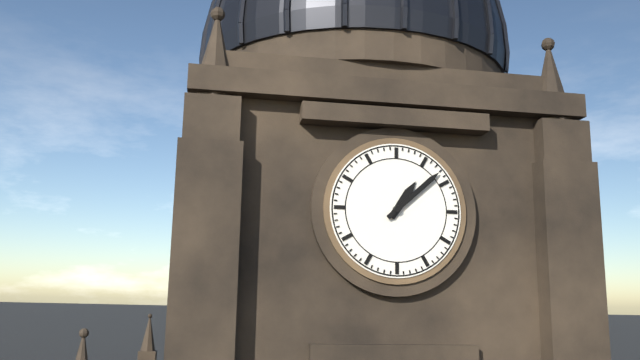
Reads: 1:08
